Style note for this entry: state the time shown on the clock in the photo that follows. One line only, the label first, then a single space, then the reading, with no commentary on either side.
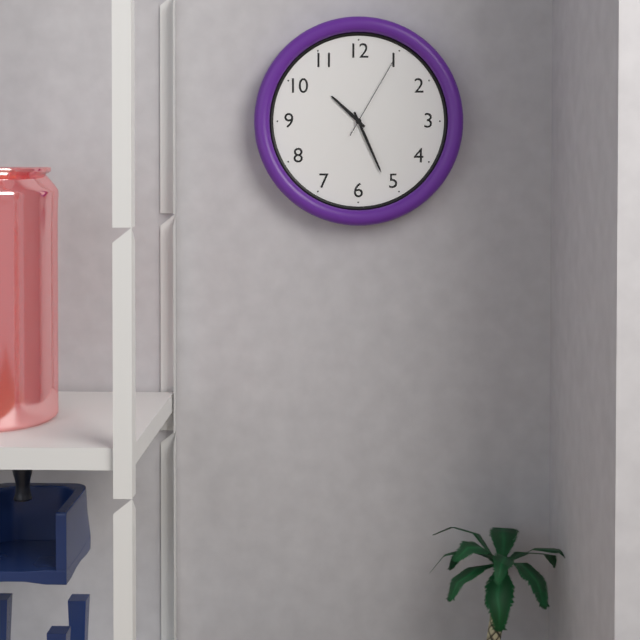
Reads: 10:26:05
